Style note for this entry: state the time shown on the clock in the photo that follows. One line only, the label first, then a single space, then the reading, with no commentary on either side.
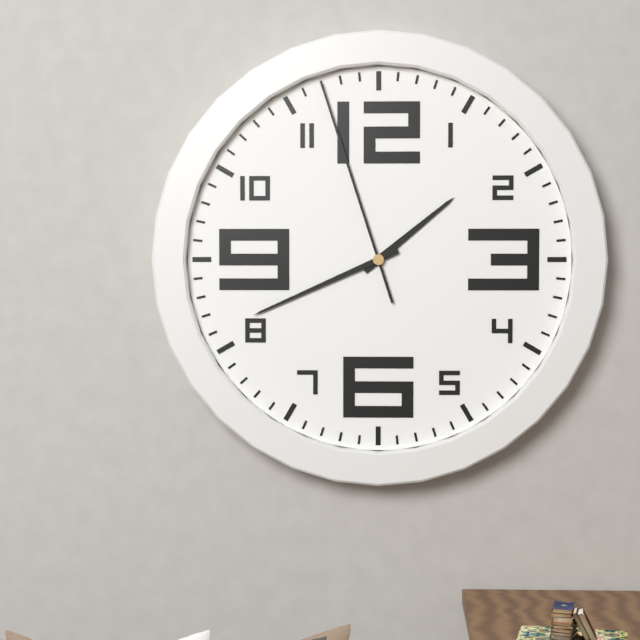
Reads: 1:41:57
